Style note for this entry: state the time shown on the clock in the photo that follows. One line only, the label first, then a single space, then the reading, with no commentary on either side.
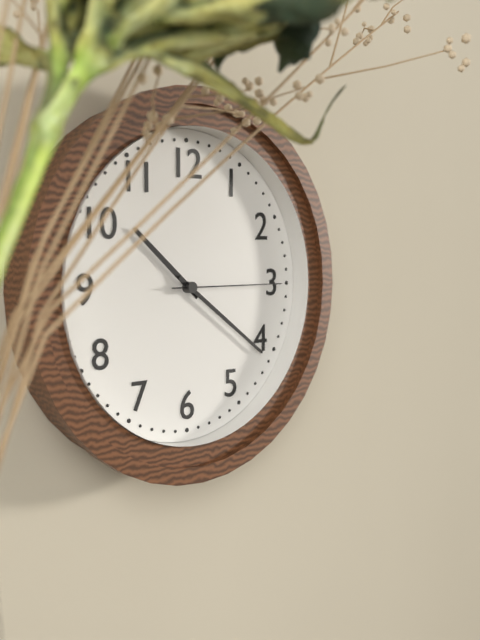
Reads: 10:21:15
